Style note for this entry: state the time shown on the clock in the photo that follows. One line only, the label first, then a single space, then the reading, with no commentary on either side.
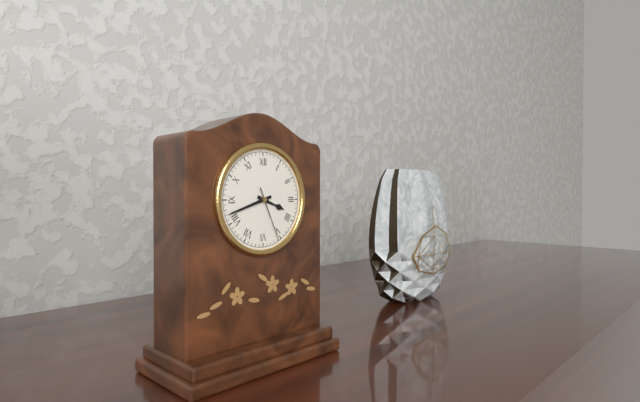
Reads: 3:42:26
